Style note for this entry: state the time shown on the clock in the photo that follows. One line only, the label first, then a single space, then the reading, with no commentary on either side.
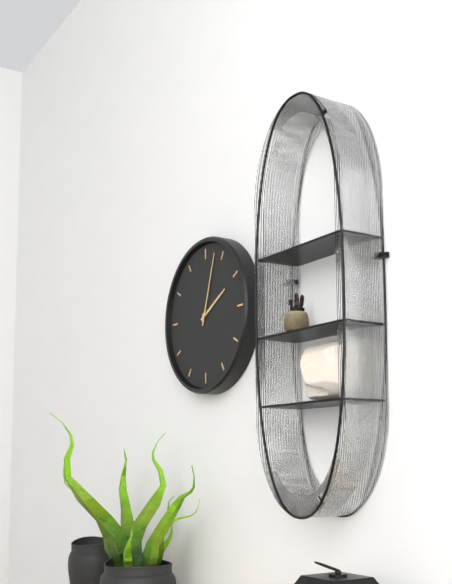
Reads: 2:03
